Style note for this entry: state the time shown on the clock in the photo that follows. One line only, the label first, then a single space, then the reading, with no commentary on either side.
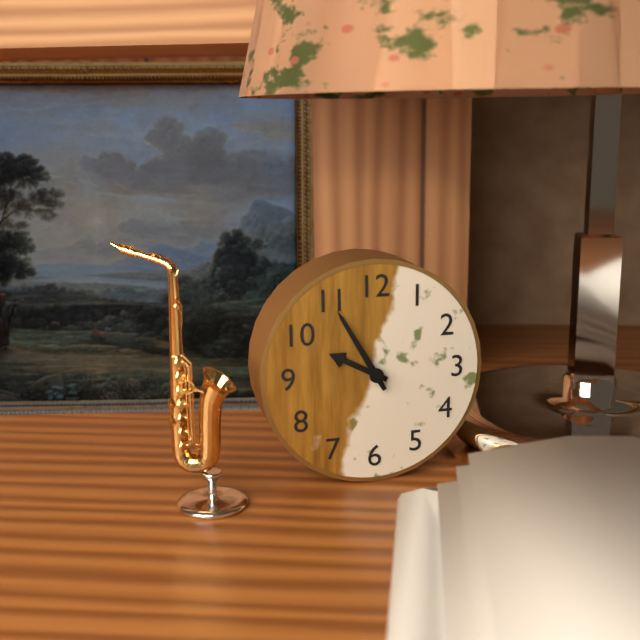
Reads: 9:55
